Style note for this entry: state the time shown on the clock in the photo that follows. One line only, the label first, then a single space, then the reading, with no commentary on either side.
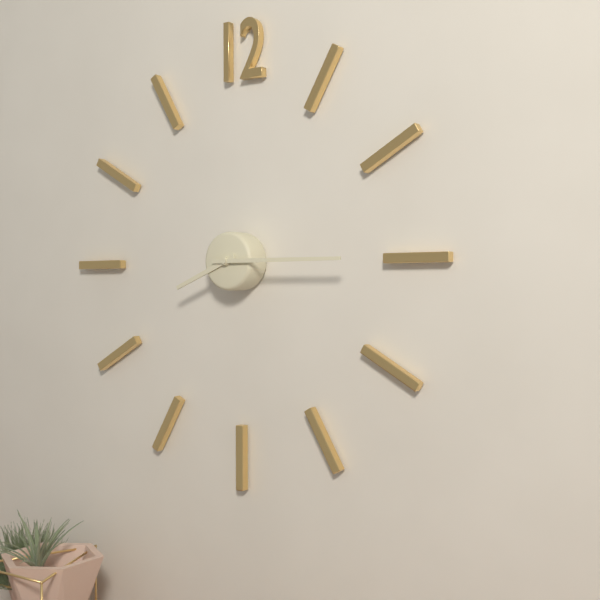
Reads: 8:15
